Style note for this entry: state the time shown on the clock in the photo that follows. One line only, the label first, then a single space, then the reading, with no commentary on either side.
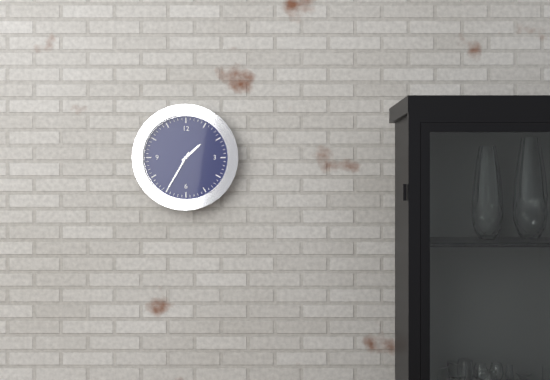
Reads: 1:35
